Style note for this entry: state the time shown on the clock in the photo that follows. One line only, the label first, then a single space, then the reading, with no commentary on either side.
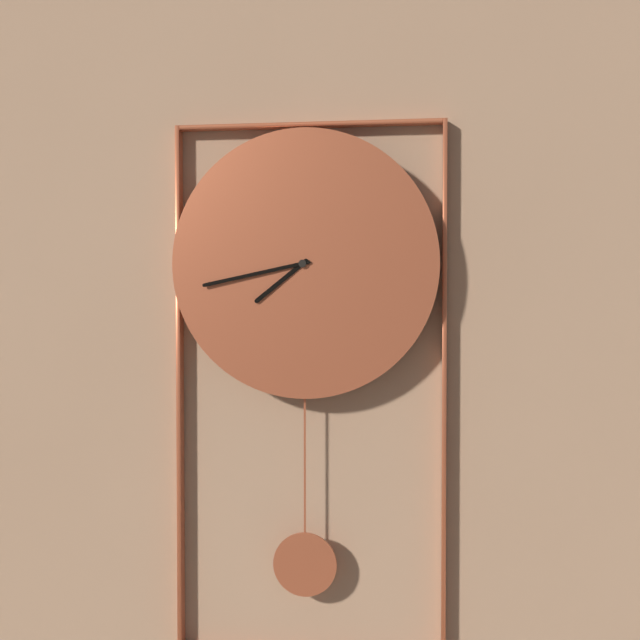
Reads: 7:43
